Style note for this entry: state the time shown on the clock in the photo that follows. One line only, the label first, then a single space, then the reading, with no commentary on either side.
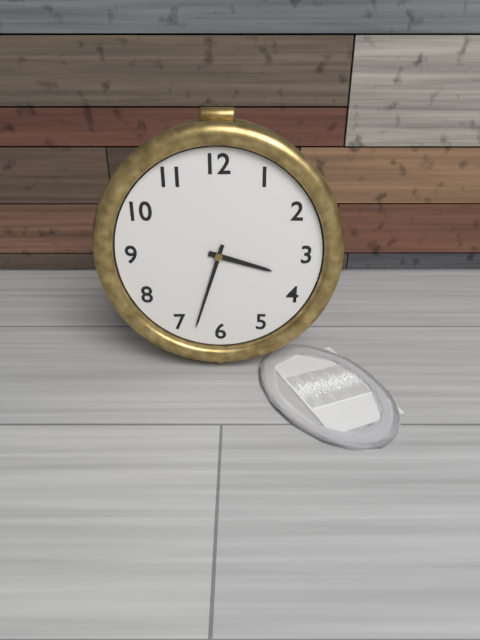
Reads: 3:33
